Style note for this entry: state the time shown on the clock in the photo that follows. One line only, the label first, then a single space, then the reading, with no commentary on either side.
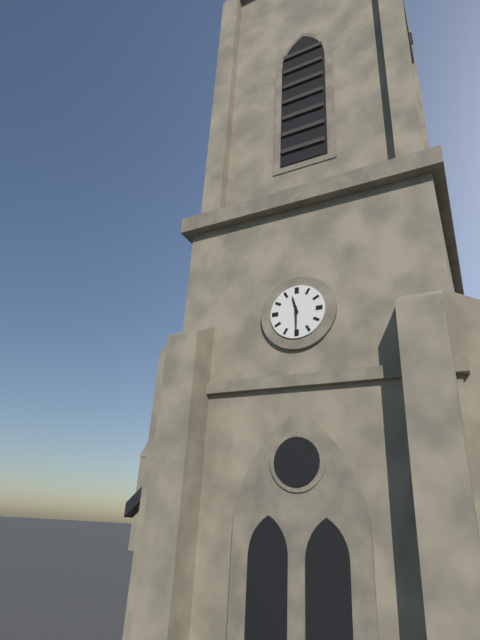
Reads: 11:30
